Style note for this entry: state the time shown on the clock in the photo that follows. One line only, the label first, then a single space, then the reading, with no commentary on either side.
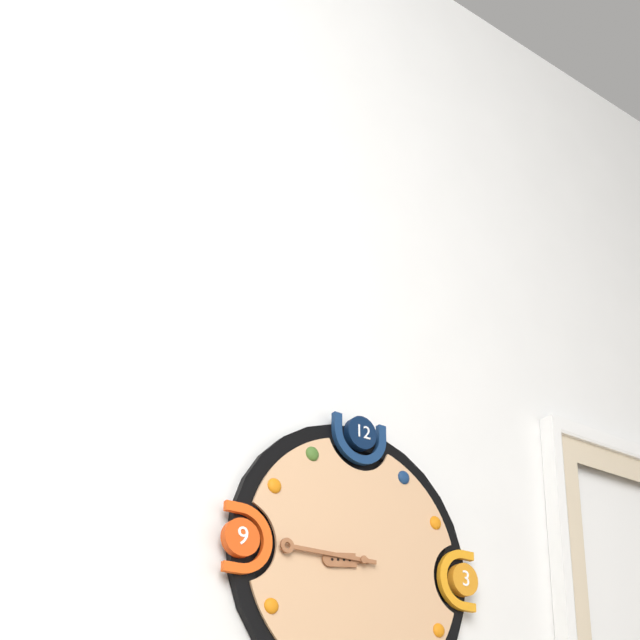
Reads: 8:45
